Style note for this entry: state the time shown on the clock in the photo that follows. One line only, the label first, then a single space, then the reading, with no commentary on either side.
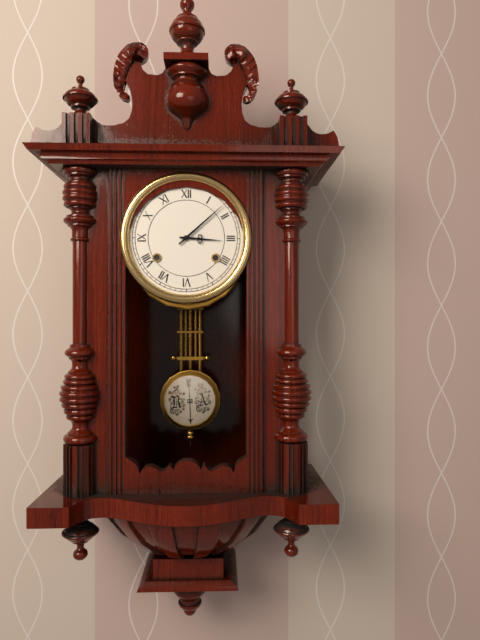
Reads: 3:08
